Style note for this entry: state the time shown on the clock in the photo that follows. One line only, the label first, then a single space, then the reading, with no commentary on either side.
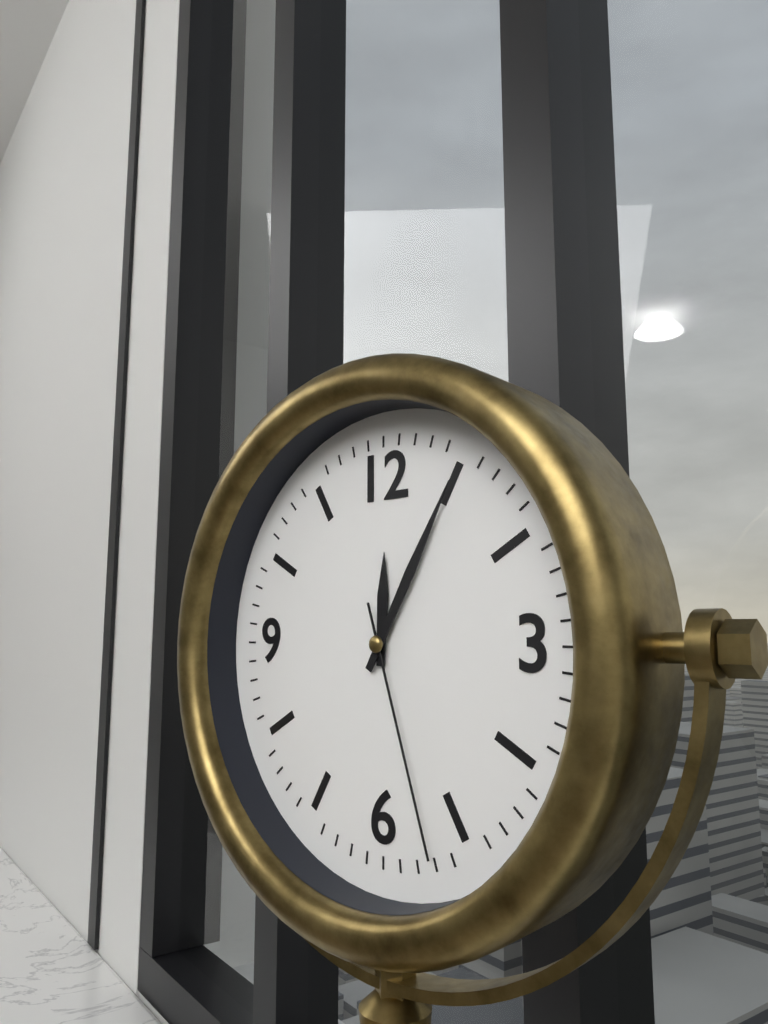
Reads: 12:05:27
